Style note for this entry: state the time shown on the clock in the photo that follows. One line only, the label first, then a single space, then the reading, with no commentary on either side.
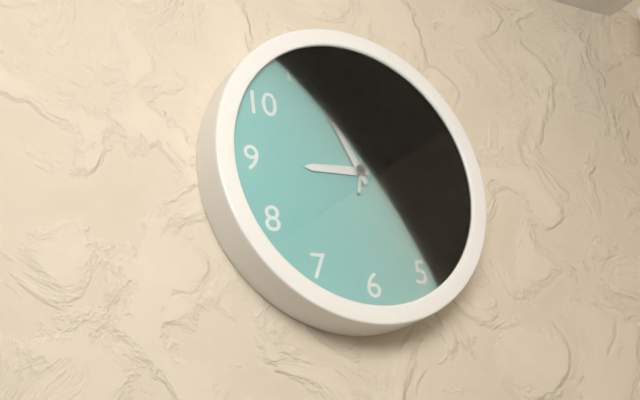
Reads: 8:56:02
